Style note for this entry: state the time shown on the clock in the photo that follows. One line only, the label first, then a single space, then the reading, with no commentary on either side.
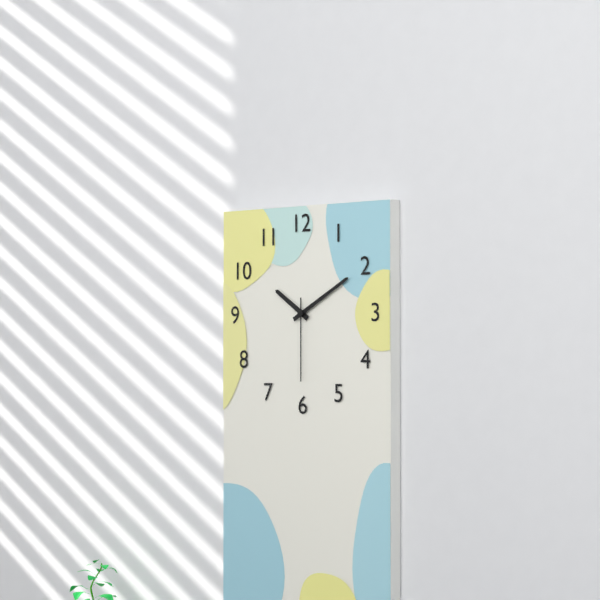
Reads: 10:10:30
